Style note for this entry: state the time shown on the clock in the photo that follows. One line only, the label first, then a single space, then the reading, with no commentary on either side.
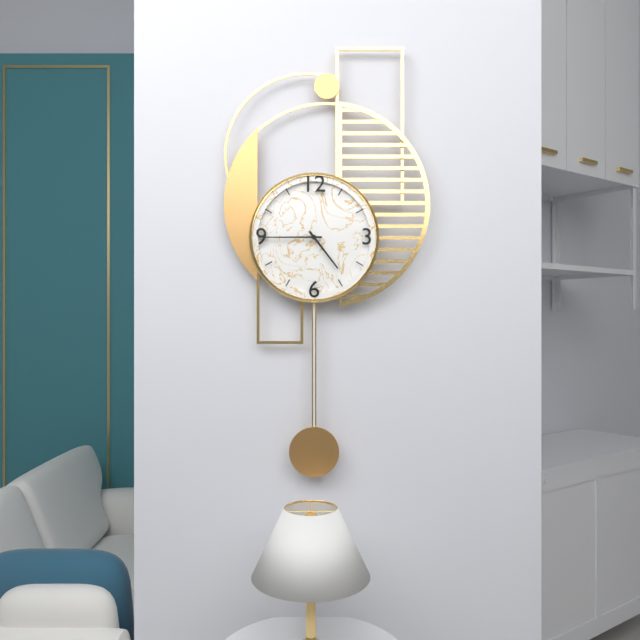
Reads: 4:45
